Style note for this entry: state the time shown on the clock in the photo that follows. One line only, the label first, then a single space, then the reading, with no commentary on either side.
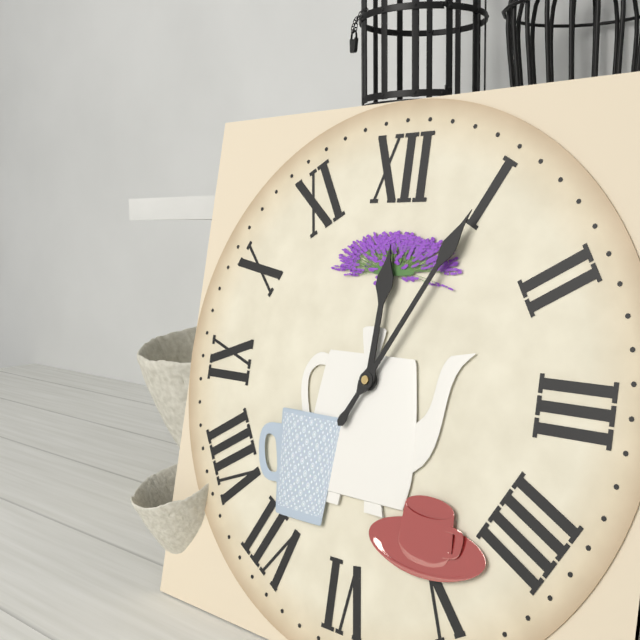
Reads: 12:05
